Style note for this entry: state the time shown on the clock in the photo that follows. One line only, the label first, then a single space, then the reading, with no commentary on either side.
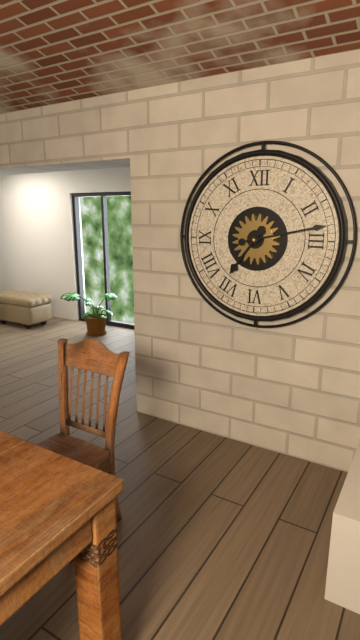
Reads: 7:13
